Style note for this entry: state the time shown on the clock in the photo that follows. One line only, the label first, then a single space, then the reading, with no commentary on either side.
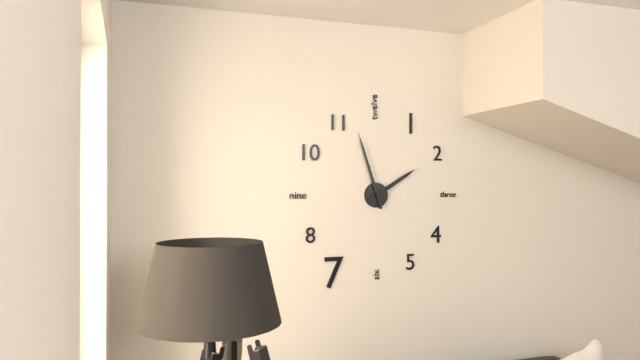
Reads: 1:57
